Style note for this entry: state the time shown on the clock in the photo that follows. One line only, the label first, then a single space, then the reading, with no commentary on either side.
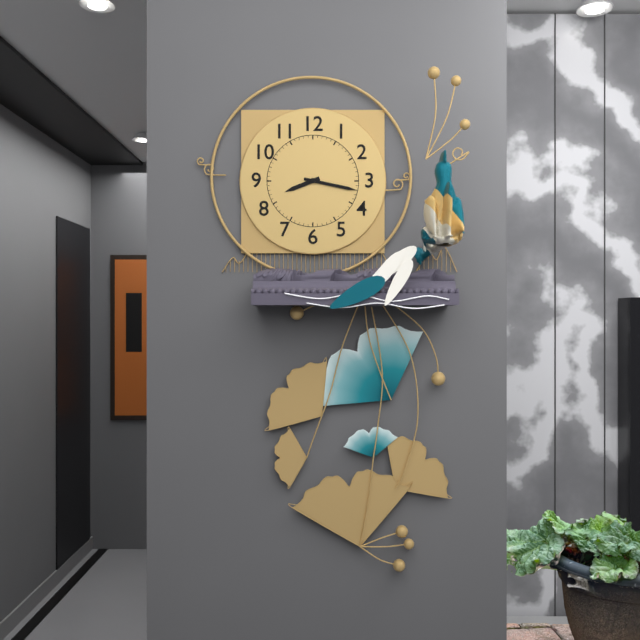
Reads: 8:17
